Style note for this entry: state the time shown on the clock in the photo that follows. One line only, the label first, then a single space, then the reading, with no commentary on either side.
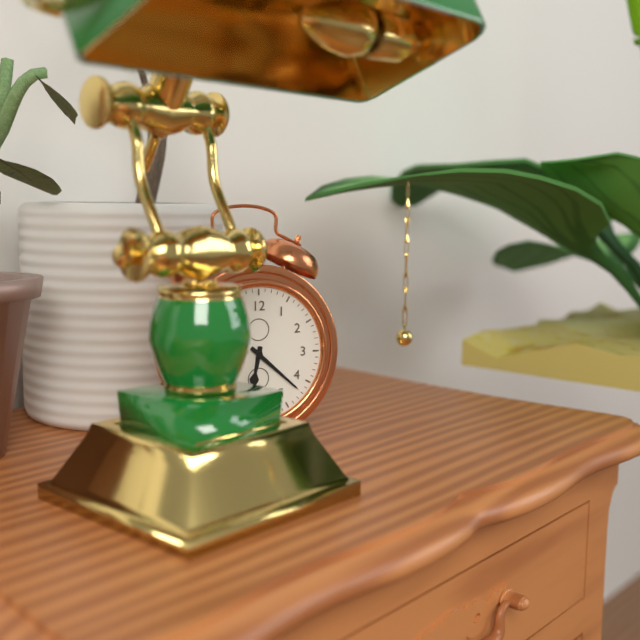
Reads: 6:22
